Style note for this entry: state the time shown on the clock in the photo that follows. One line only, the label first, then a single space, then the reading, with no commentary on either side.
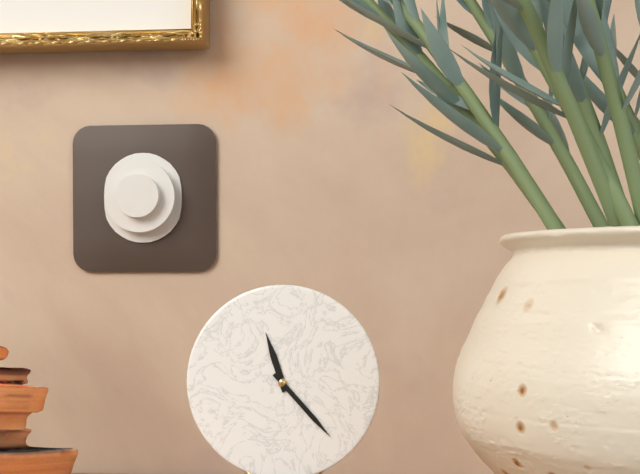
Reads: 11:23
